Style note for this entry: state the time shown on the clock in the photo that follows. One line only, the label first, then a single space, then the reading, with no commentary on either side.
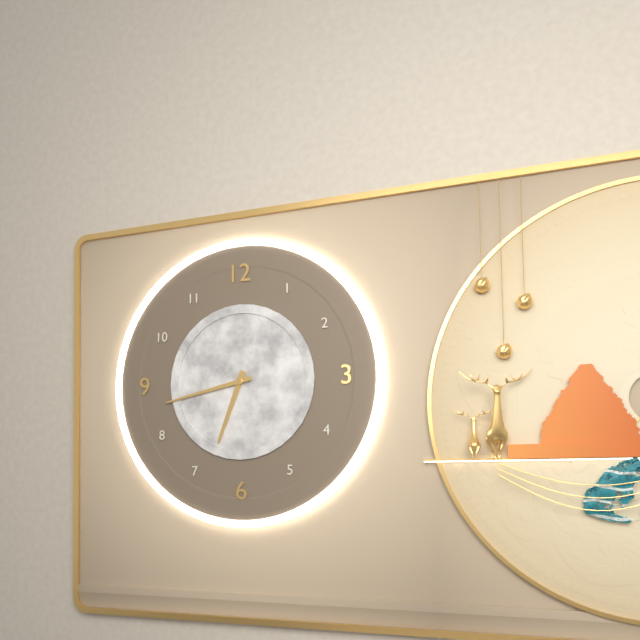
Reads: 6:43
